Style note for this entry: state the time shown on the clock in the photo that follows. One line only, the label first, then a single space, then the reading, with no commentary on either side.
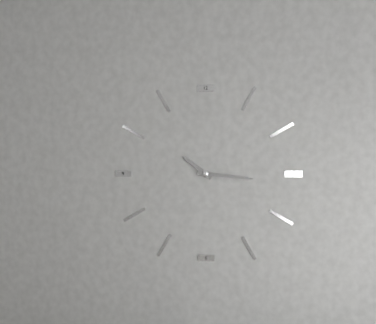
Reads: 10:16
